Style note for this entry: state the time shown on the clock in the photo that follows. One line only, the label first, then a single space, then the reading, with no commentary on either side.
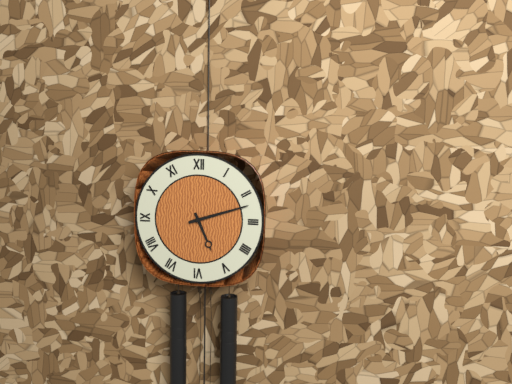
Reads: 5:12
